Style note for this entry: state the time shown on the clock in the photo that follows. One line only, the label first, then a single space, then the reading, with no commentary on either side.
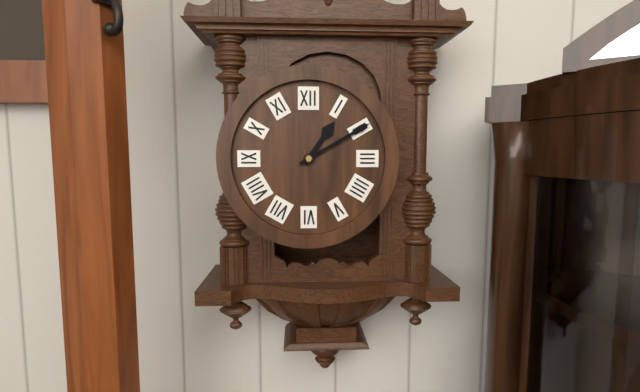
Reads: 1:10
